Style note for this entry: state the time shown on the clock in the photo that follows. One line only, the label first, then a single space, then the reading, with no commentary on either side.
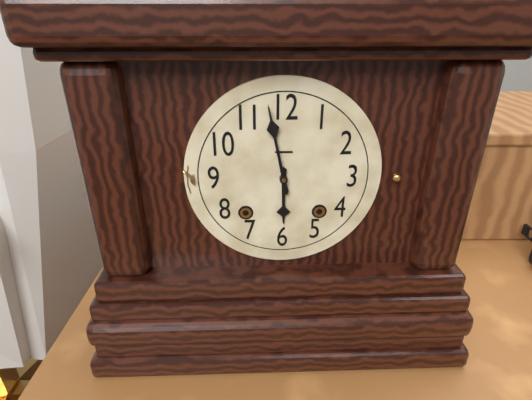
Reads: 5:58
